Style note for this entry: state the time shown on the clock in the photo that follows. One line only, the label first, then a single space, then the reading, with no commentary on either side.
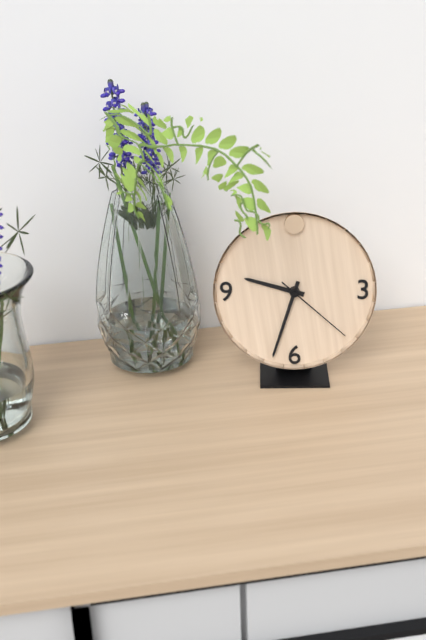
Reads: 9:33:22
